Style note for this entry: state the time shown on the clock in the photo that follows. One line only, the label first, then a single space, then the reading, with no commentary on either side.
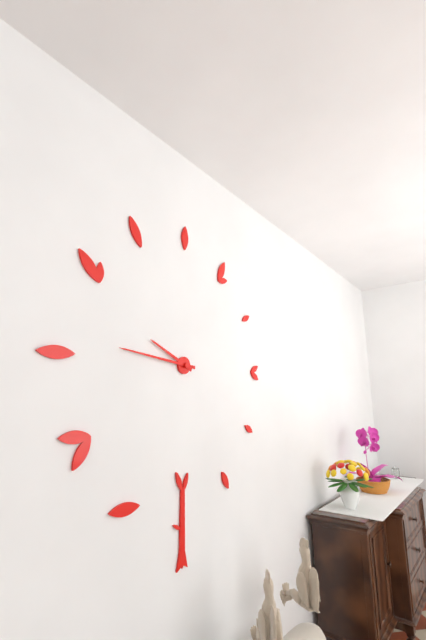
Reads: 9:46
